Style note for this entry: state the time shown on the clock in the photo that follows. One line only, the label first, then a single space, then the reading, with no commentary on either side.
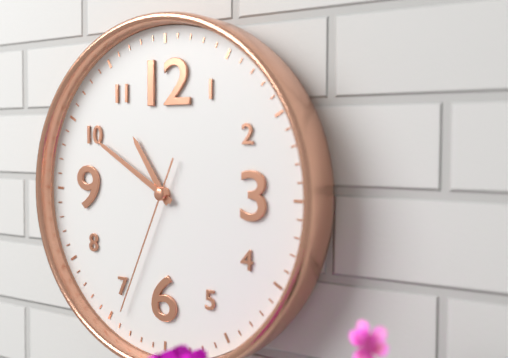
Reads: 10:50:34
